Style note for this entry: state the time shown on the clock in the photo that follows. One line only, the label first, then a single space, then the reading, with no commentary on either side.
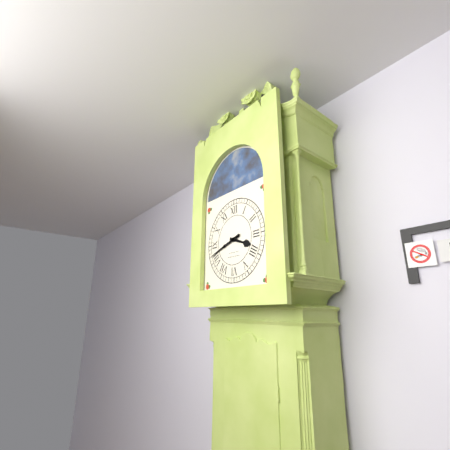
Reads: 3:42
